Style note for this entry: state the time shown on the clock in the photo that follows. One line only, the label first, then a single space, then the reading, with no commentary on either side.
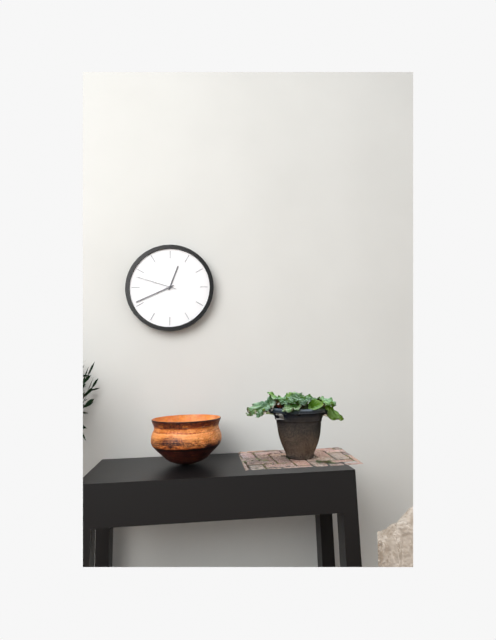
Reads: 12:41
